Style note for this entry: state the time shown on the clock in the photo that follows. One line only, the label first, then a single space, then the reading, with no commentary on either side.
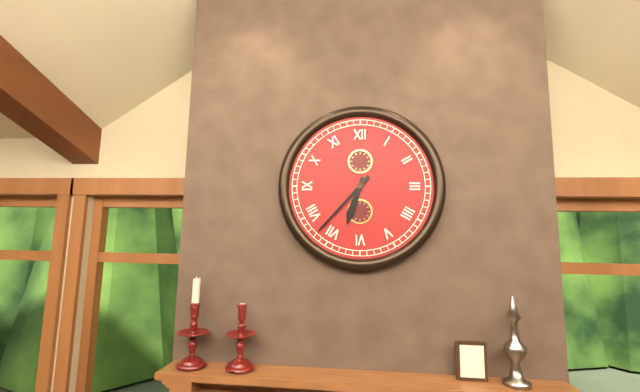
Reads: 6:37
